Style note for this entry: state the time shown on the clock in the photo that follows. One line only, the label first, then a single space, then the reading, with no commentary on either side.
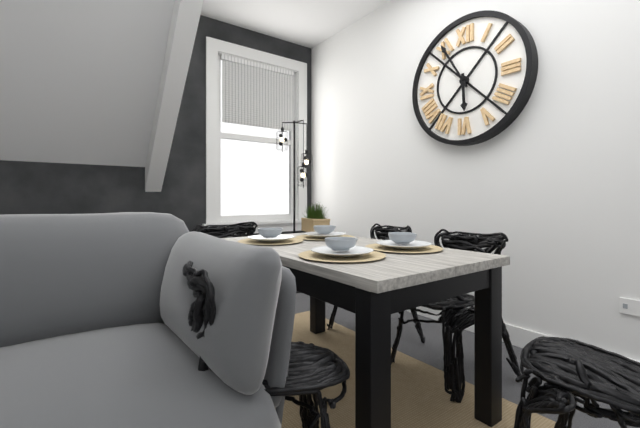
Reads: 5:55
